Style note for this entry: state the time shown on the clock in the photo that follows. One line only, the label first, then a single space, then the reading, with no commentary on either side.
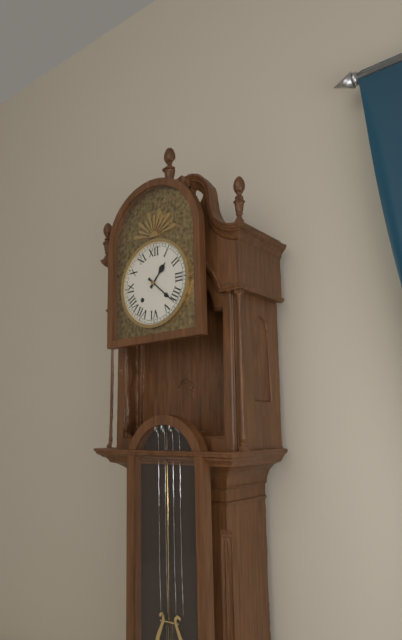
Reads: 1:22
